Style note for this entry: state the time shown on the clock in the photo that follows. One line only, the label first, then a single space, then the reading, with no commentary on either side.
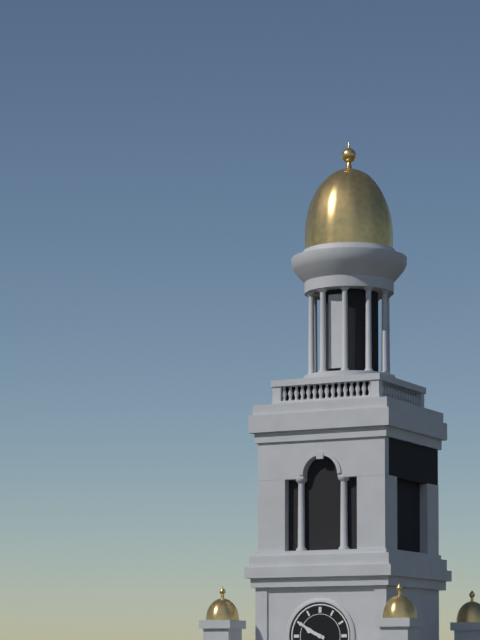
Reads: 9:50
